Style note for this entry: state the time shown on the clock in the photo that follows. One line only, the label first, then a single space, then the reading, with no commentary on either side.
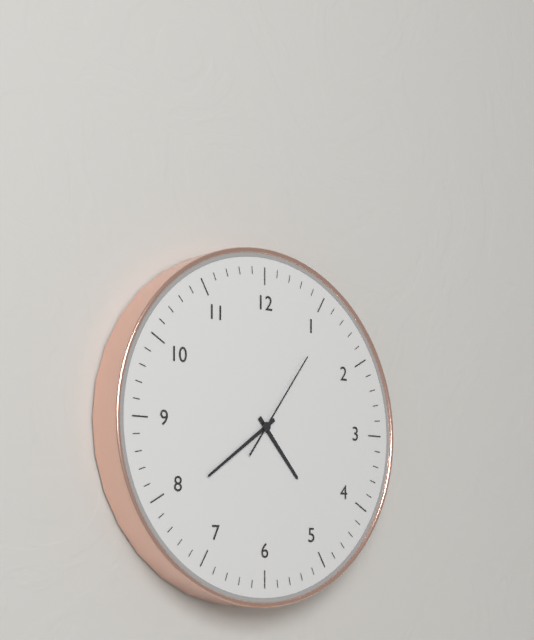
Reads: 4:39:06
